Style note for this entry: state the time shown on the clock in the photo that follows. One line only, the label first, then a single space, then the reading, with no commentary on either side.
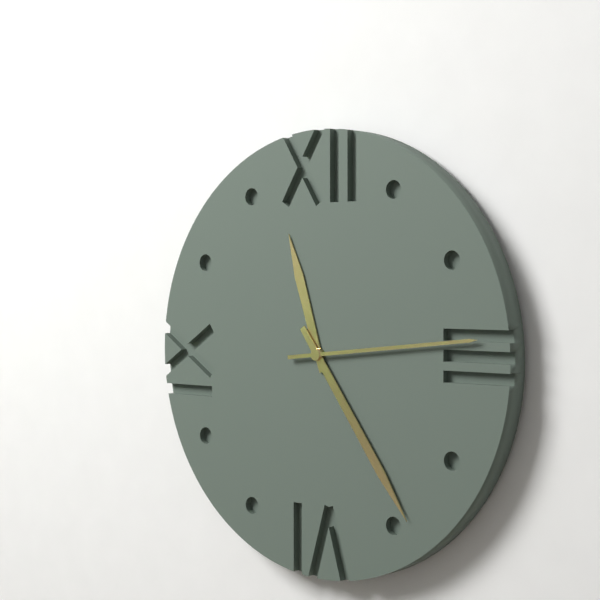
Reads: 11:24:14
